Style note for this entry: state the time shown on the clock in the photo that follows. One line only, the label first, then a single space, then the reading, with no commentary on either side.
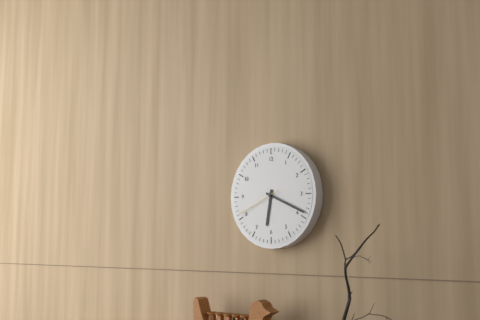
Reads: 6:19
